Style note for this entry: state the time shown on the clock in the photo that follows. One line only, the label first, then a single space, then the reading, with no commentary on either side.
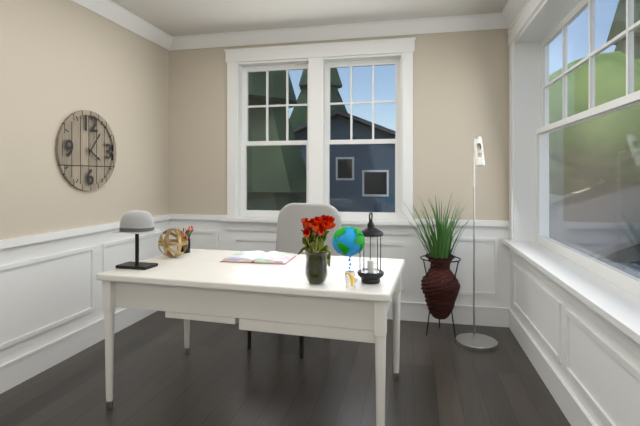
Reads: 4:06
